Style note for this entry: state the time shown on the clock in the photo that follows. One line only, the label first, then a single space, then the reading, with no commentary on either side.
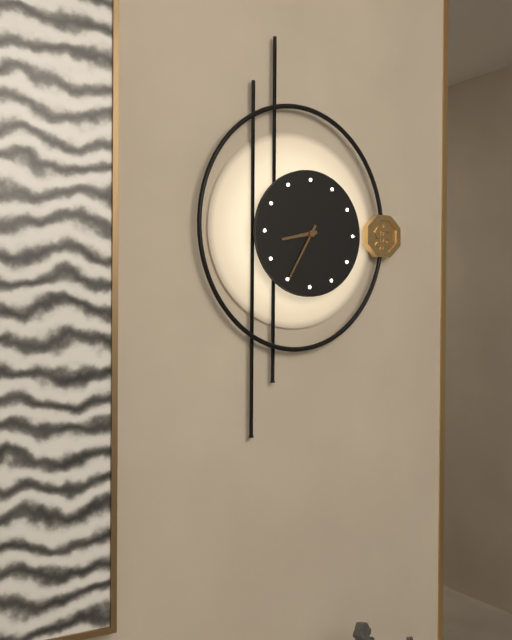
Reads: 8:35
